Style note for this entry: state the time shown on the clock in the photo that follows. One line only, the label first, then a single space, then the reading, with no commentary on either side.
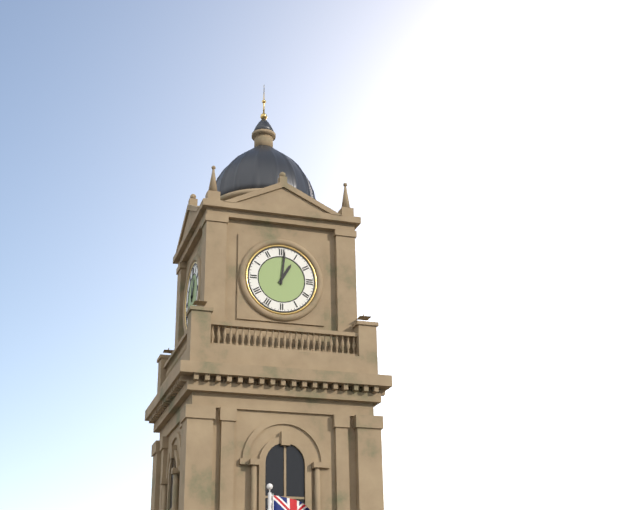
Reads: 1:01
